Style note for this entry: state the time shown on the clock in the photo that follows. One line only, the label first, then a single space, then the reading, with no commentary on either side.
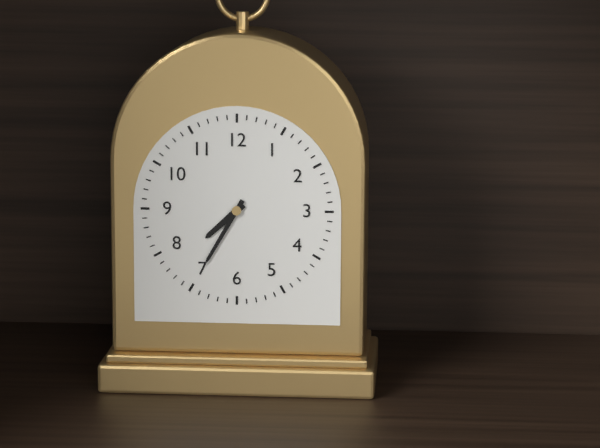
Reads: 7:35
